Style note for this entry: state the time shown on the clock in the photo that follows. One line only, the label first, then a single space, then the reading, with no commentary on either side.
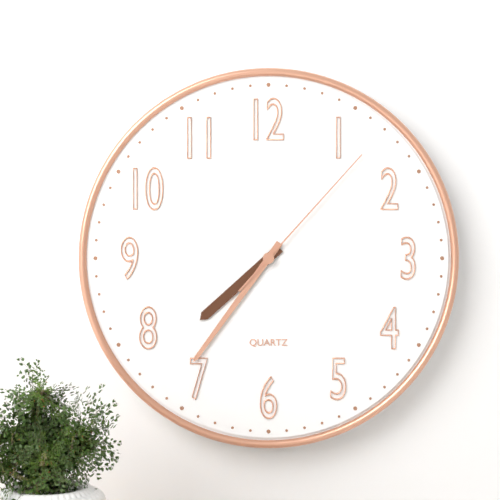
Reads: 7:36:07
